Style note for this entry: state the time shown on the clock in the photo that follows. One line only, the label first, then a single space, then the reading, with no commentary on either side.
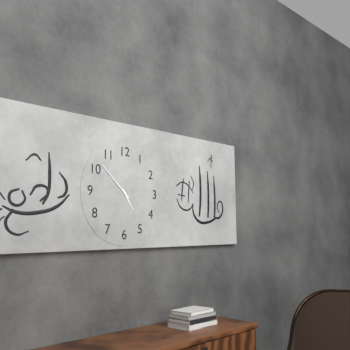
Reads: 4:52
